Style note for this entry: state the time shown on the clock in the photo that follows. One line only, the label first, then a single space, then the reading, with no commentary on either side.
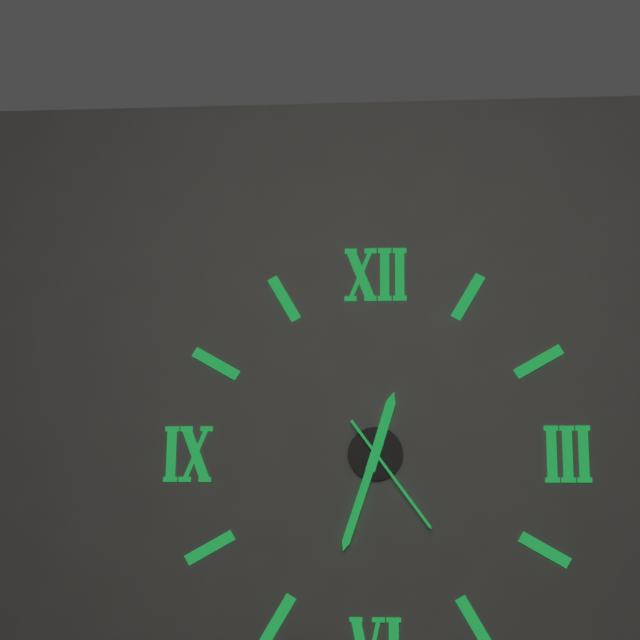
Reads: 12:33:24
